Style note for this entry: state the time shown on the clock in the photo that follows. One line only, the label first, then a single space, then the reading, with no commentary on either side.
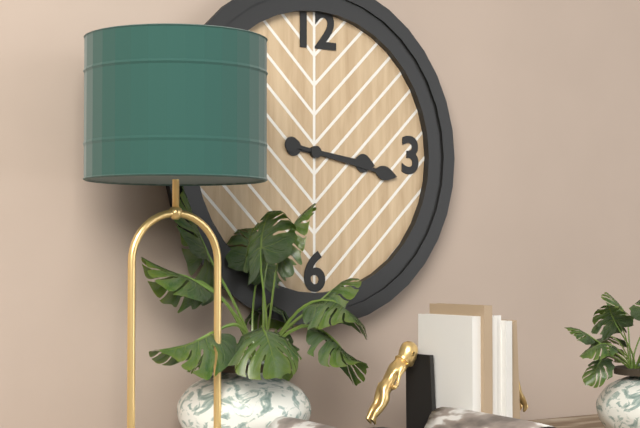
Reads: 3:17
